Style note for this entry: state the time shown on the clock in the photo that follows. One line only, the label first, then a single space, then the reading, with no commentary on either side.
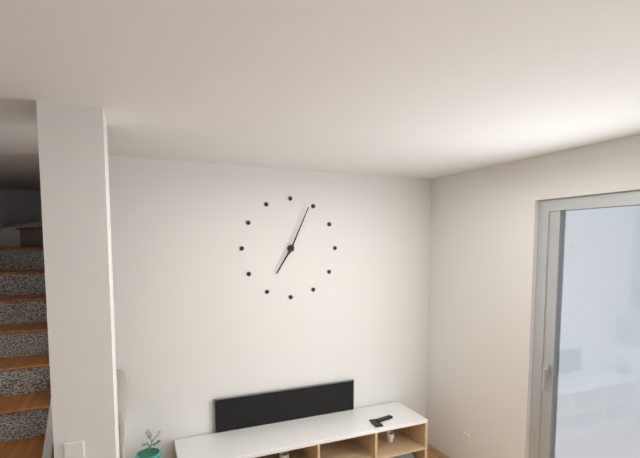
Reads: 7:04
